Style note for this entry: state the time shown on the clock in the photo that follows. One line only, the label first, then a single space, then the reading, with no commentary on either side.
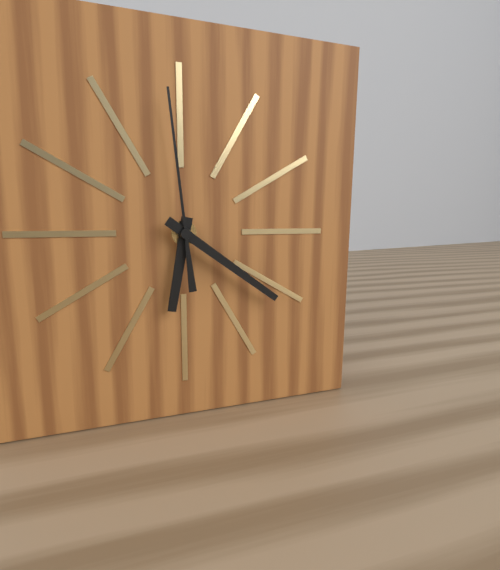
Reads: 6:21:59
